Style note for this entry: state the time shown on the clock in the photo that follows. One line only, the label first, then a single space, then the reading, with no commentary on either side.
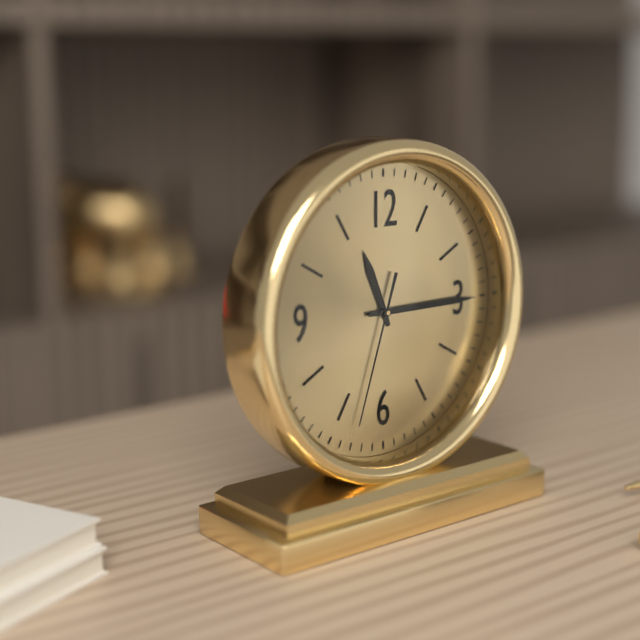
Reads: 11:15:33
